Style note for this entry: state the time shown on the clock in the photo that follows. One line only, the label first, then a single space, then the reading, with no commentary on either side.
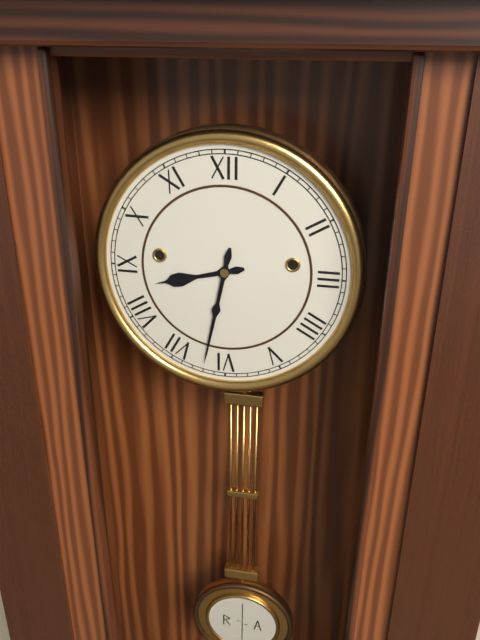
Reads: 8:32
